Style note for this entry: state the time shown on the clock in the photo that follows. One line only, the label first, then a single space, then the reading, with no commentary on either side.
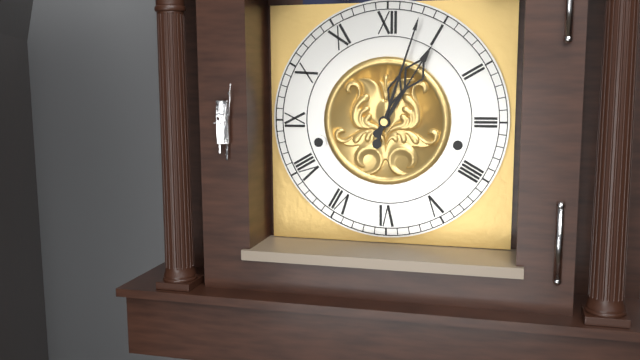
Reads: 1:03
